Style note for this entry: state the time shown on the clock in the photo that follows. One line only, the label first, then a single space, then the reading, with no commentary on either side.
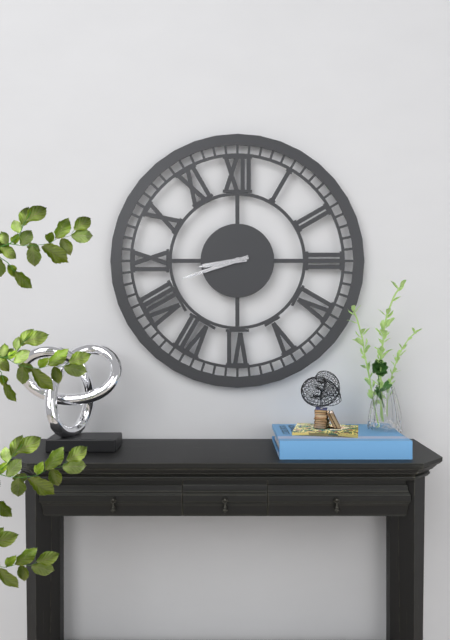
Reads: 8:42
